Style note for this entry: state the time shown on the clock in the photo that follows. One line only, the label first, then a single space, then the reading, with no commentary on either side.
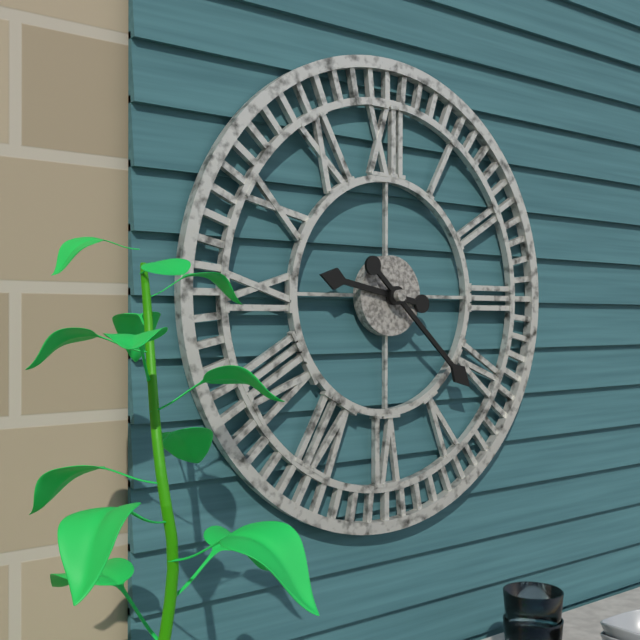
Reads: 9:22
